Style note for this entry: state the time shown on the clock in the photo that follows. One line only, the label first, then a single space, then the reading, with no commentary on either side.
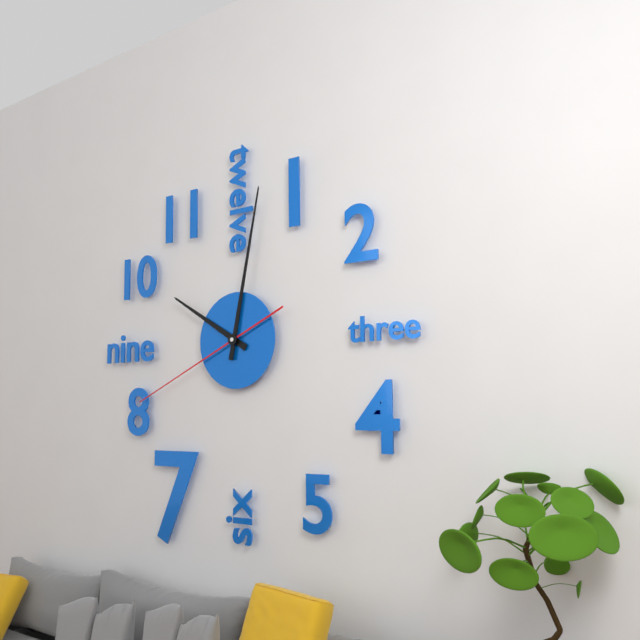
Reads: 10:02:41
